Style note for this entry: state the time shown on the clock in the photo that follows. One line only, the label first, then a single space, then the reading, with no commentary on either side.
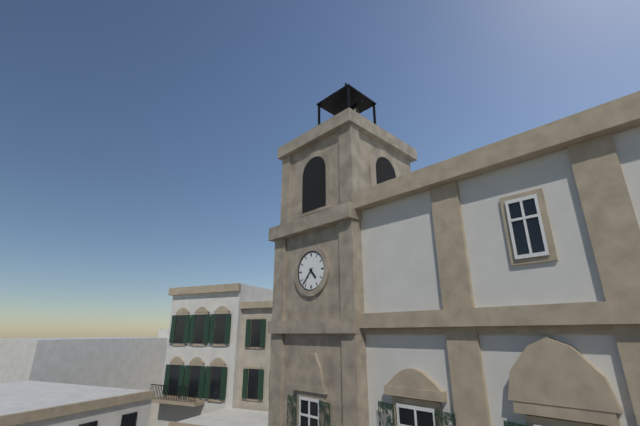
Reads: 4:37
